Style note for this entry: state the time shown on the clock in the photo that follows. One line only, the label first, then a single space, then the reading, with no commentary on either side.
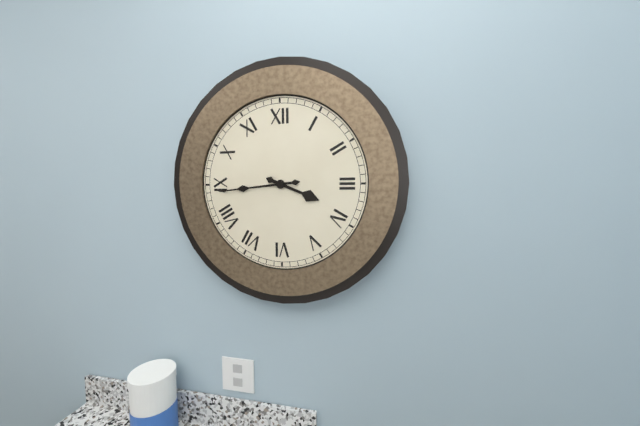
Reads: 3:44
